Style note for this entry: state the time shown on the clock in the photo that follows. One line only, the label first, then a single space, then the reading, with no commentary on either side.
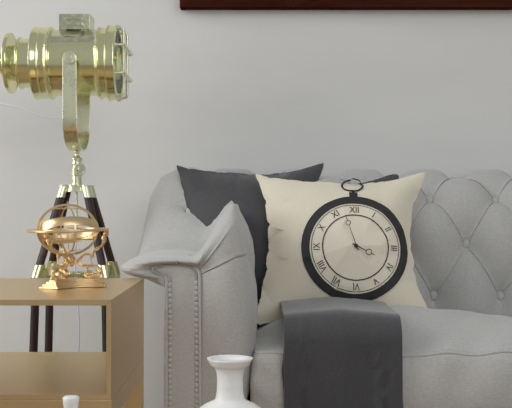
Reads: 3:57
